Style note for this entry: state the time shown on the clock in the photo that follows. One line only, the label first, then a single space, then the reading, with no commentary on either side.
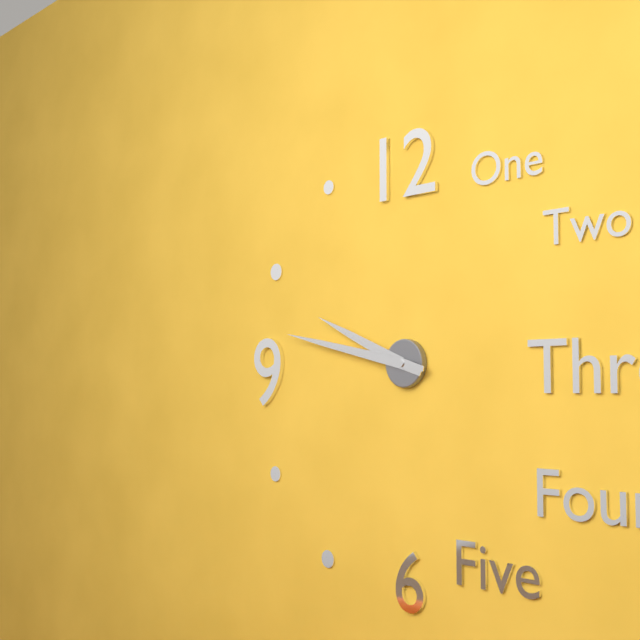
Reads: 9:47
